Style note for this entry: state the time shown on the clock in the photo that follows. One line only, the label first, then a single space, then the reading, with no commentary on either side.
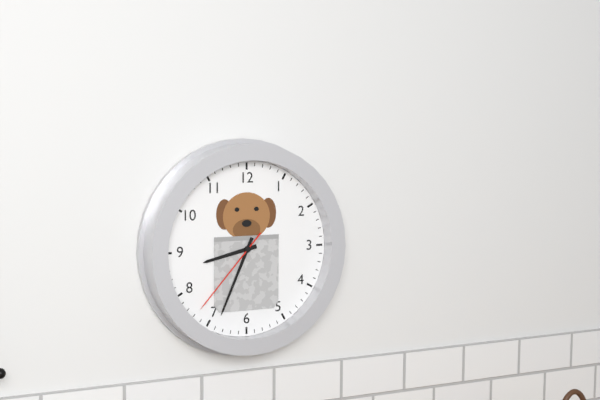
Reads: 8:34:37
